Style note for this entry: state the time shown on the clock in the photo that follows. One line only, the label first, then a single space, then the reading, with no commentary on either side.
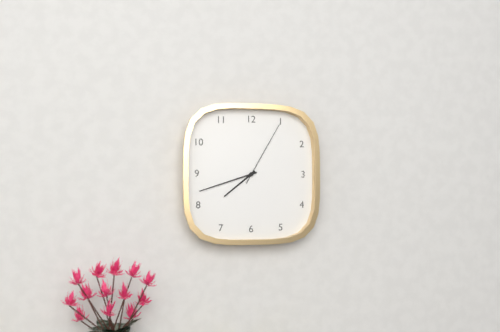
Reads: 7:42:05
